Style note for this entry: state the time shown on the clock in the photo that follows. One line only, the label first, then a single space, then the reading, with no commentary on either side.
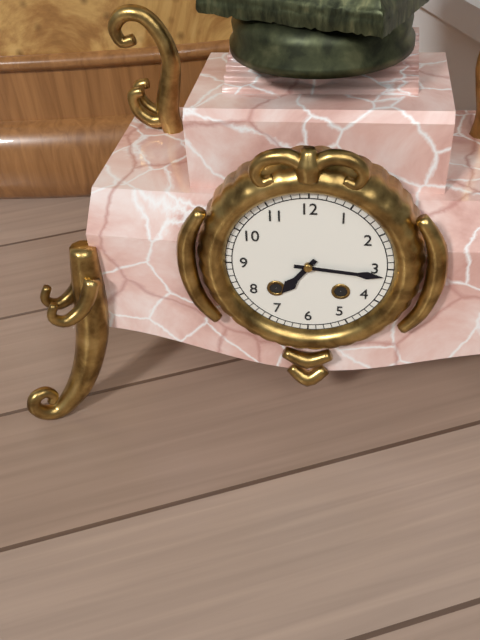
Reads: 7:16
